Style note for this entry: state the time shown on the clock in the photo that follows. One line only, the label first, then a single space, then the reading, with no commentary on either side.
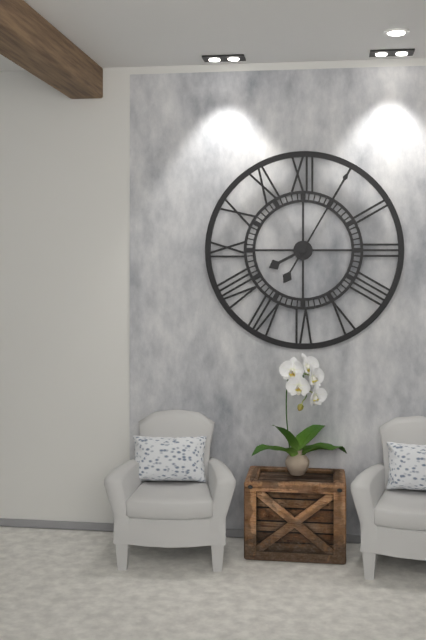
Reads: 8:05
